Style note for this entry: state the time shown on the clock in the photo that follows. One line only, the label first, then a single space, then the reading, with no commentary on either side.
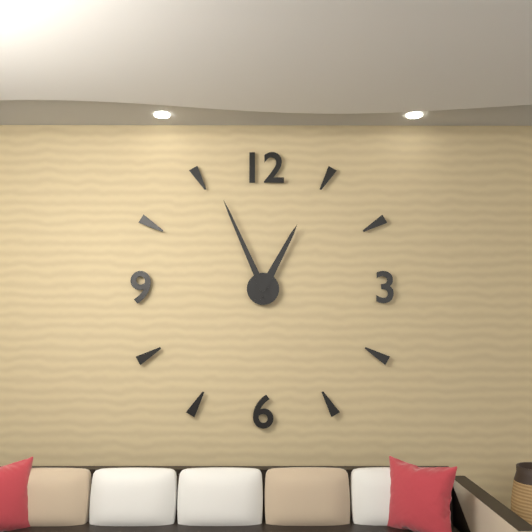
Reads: 12:56
